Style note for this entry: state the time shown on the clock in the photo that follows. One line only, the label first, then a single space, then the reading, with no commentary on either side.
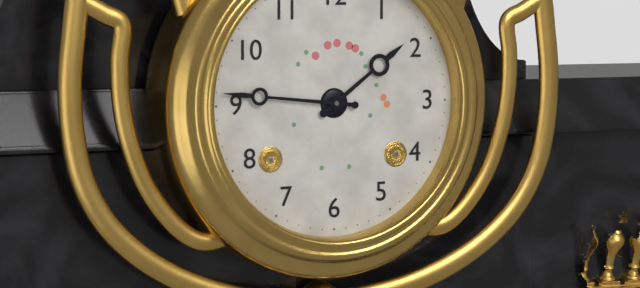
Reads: 1:46
